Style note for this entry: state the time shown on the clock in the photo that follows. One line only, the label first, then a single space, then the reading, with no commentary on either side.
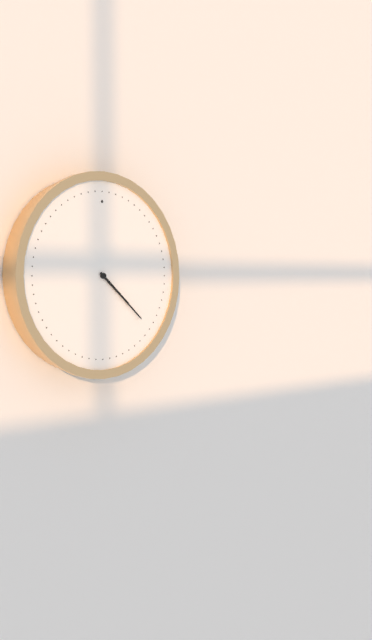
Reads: 4:22
